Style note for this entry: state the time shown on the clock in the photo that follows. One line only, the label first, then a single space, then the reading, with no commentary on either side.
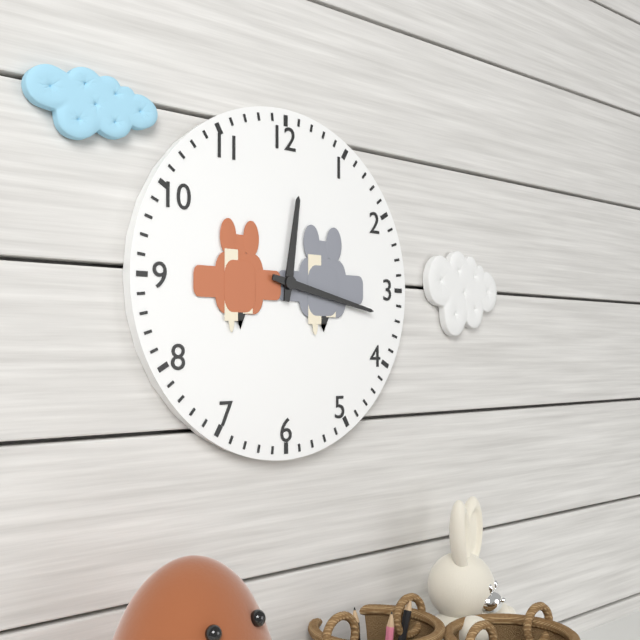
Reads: 12:17
